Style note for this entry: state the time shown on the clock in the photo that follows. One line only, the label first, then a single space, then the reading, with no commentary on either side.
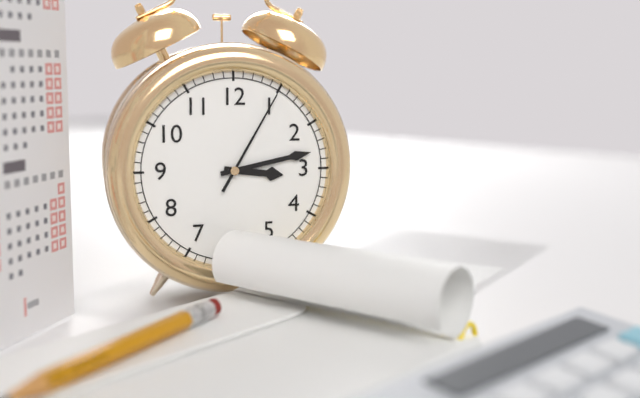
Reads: 3:13:05
